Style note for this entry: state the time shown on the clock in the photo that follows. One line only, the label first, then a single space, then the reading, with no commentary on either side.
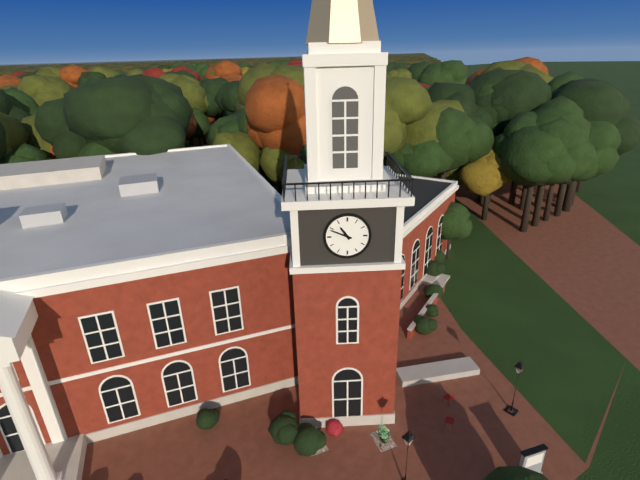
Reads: 10:49
